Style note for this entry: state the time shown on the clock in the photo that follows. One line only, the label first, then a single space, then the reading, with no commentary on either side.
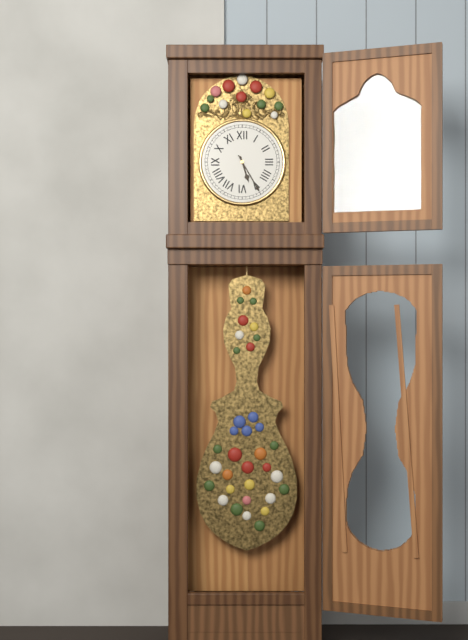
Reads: 5:25
